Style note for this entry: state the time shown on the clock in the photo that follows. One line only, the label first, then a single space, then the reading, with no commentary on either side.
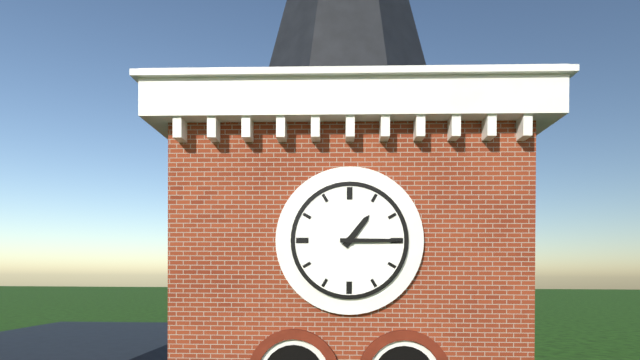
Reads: 1:15
